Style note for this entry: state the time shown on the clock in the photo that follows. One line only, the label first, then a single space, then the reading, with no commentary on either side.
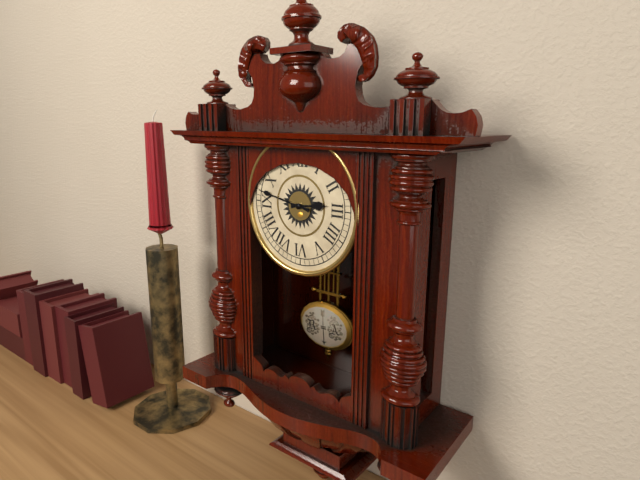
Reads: 2:47
